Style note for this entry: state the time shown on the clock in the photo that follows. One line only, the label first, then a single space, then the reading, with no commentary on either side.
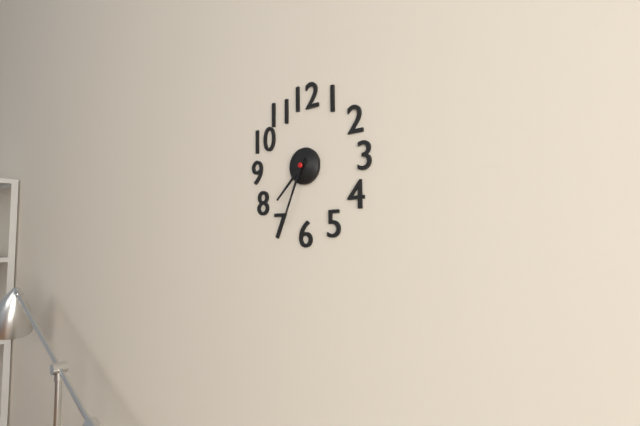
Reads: 7:34
